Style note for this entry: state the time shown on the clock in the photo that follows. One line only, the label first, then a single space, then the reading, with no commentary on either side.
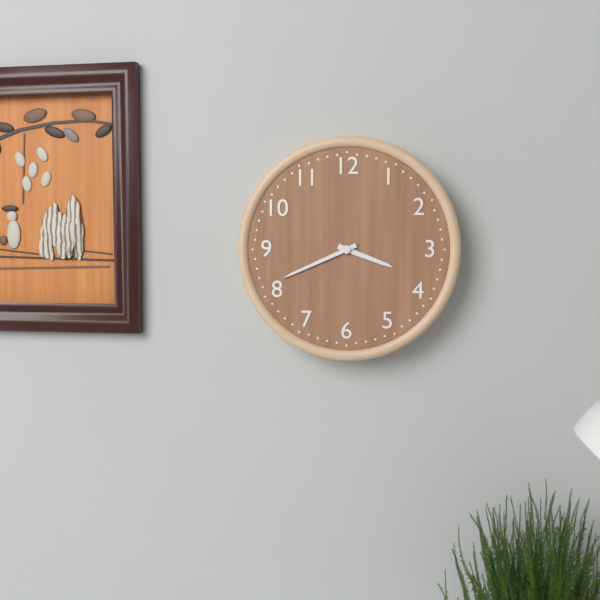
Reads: 3:41
